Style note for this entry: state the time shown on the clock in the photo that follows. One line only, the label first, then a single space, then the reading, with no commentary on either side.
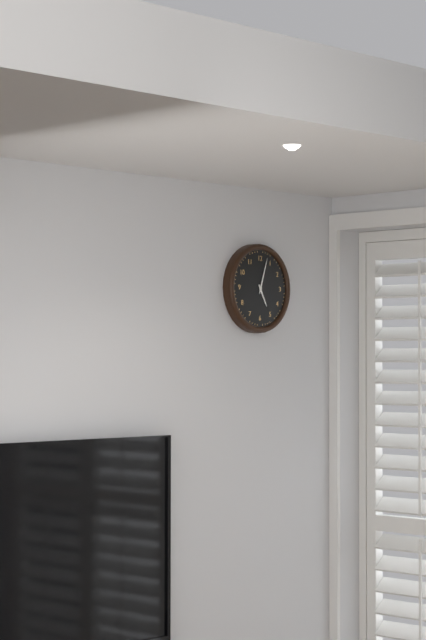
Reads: 5:03
